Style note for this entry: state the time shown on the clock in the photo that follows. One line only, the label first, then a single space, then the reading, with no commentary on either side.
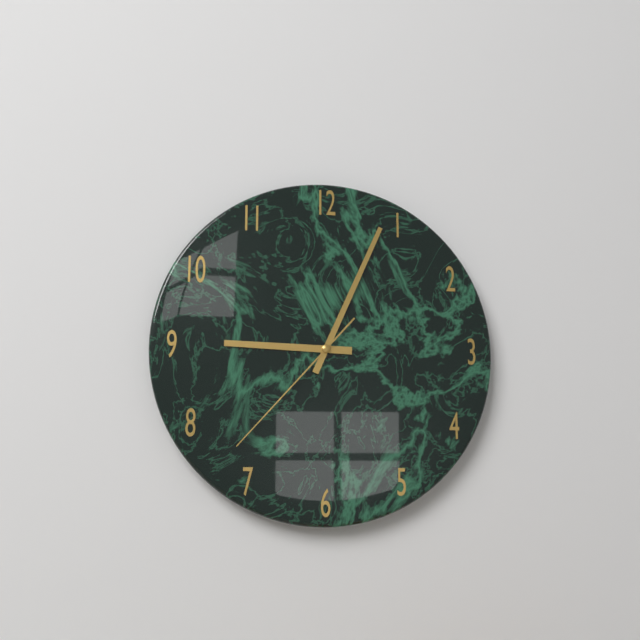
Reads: 9:04:37
